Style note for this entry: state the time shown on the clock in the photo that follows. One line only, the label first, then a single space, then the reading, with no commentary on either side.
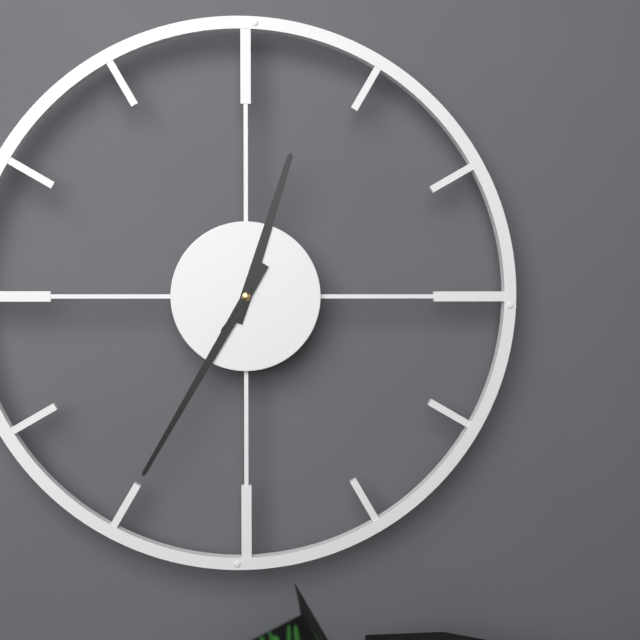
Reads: 12:35:36
